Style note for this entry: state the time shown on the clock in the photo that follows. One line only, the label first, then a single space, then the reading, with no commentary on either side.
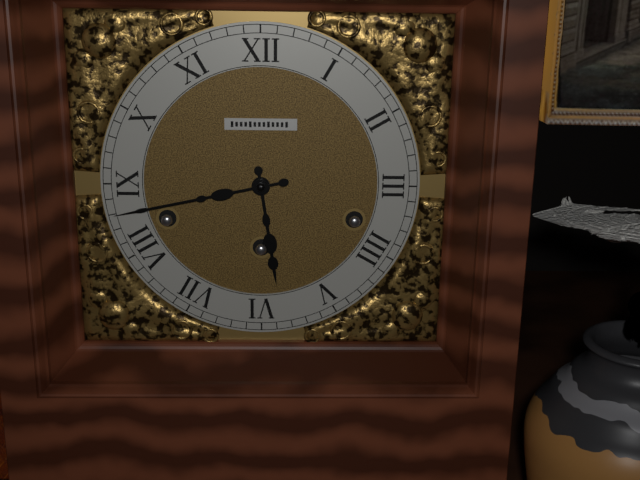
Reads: 5:43
